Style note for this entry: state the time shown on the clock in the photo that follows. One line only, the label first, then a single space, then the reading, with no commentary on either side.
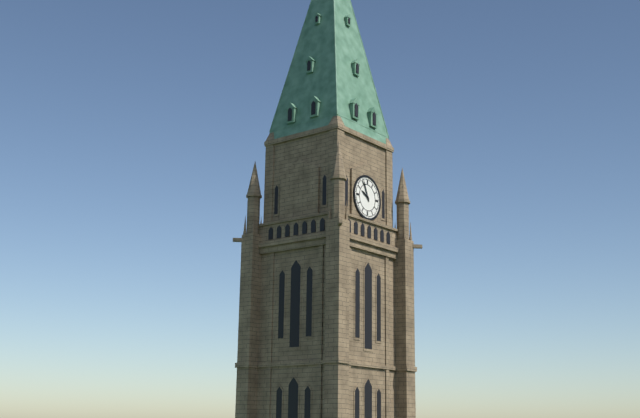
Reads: 9:56
